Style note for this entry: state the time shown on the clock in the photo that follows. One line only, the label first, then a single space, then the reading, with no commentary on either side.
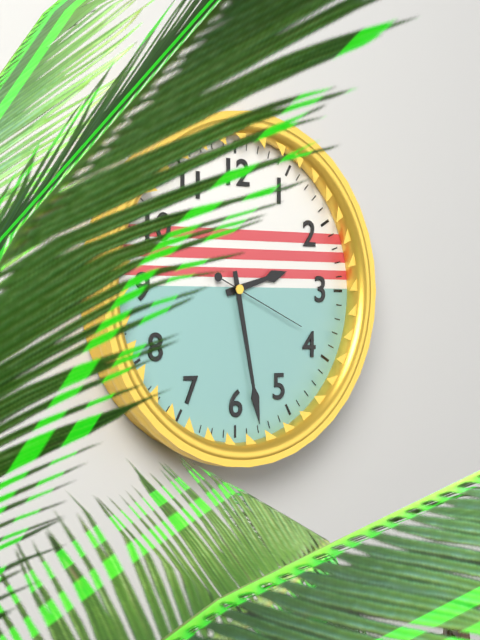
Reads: 2:28:19
